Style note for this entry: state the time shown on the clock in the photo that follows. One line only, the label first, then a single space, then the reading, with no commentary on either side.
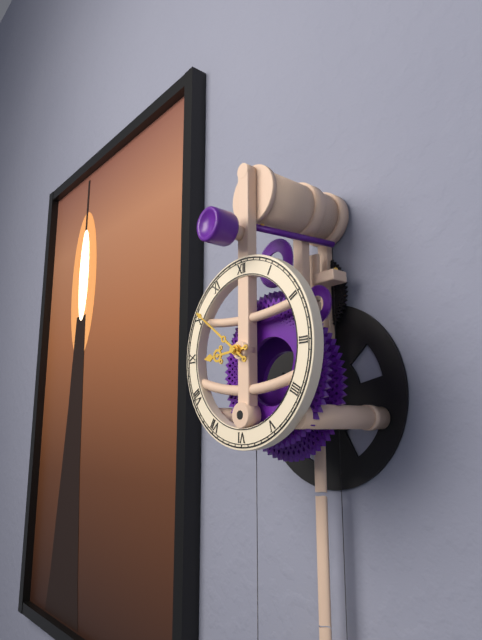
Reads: 8:51
